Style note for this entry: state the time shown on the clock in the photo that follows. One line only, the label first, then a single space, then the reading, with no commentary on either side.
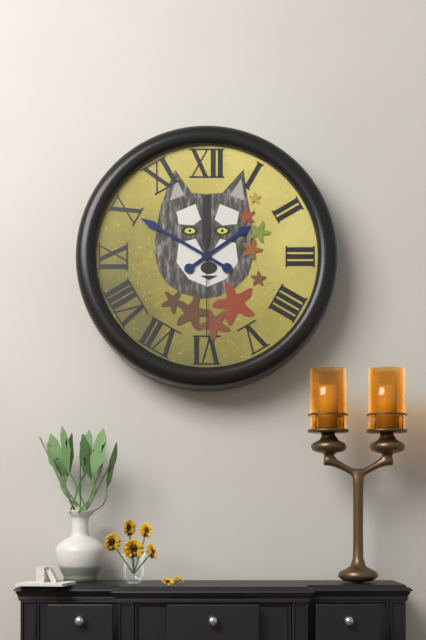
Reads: 1:50:30
